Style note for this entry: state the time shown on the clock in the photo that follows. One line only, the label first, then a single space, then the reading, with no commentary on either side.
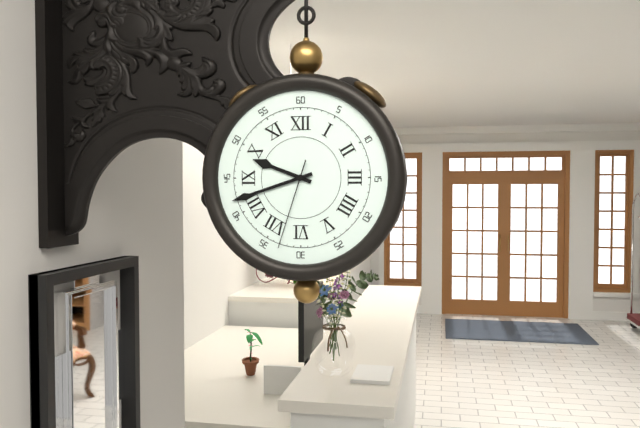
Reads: 9:42:33
